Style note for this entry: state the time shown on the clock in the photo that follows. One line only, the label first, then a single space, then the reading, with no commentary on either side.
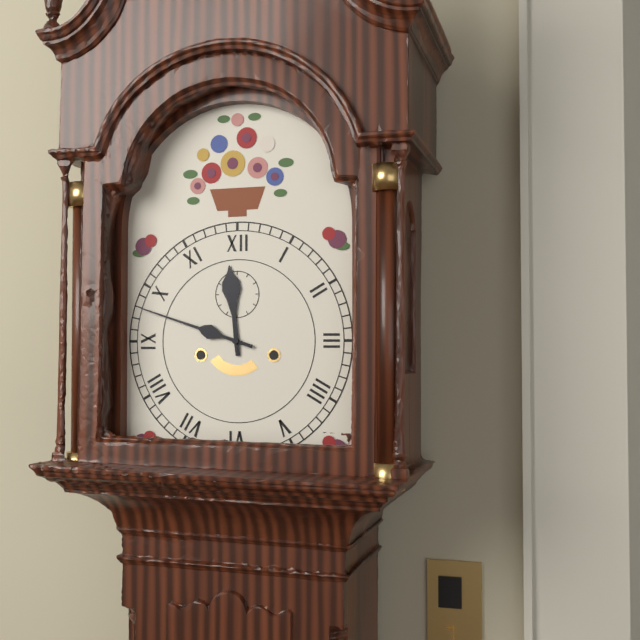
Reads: 11:48
